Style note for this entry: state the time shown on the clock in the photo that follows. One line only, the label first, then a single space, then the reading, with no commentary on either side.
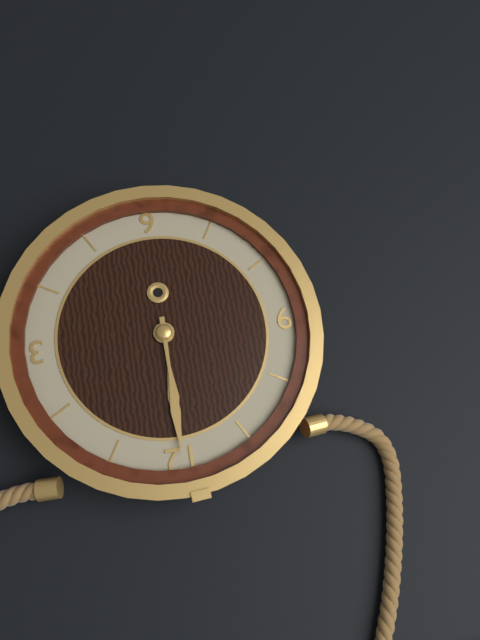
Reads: 12:00
